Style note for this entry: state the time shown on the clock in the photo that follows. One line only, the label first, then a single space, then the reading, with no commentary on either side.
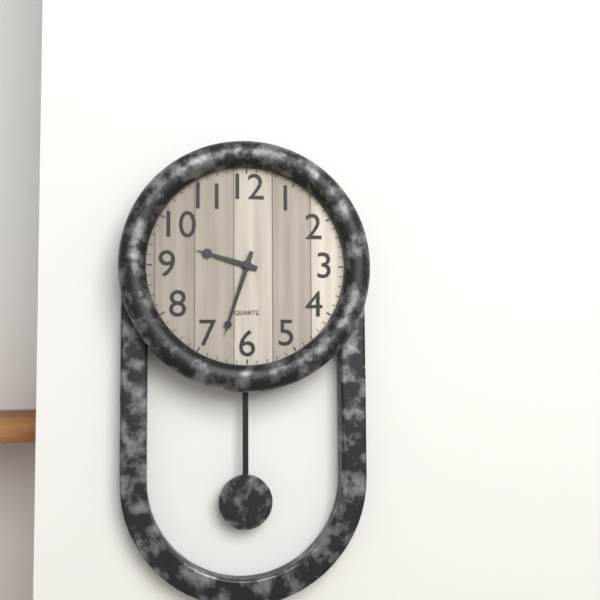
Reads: 9:33
